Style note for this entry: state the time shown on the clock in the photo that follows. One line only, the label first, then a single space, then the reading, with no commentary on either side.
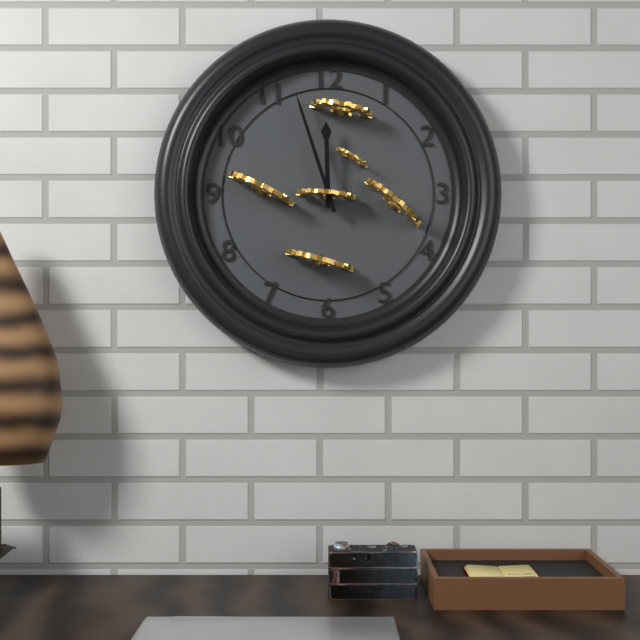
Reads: 11:57
